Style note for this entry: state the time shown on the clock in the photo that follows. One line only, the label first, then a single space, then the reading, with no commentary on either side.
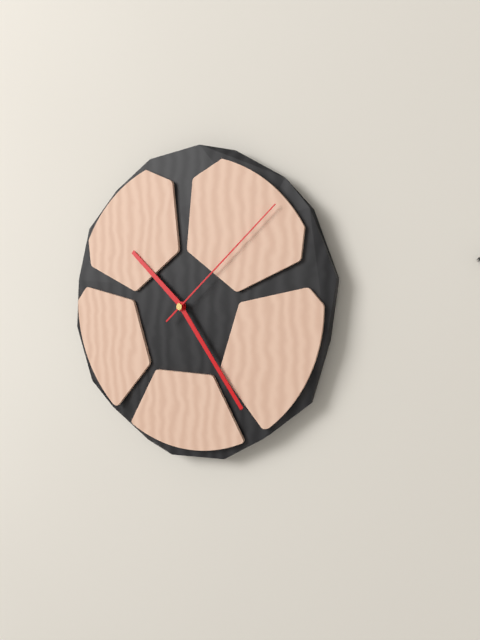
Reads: 10:24:08
